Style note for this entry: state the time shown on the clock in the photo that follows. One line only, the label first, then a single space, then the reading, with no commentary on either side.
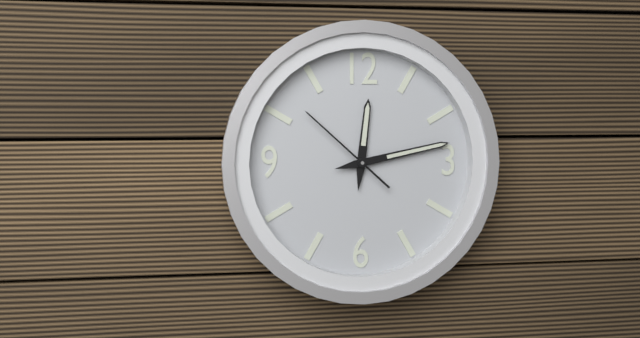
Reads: 12:13:52
